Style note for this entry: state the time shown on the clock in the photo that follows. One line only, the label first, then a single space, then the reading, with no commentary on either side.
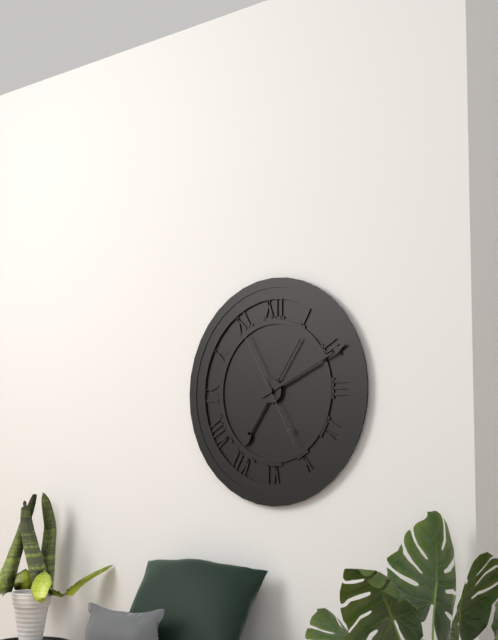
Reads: 7:11:55
